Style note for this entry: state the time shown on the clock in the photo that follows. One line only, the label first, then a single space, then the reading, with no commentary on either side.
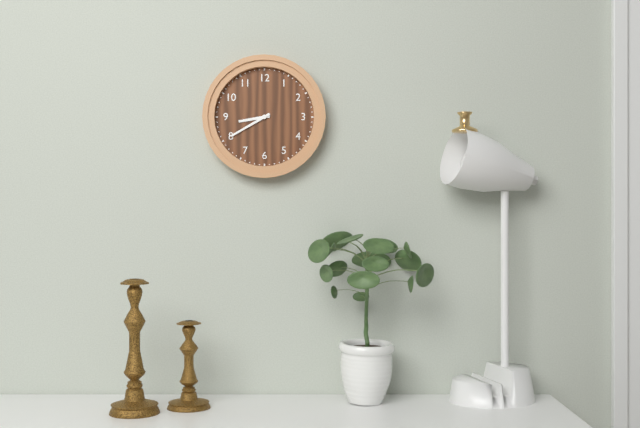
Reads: 8:40
